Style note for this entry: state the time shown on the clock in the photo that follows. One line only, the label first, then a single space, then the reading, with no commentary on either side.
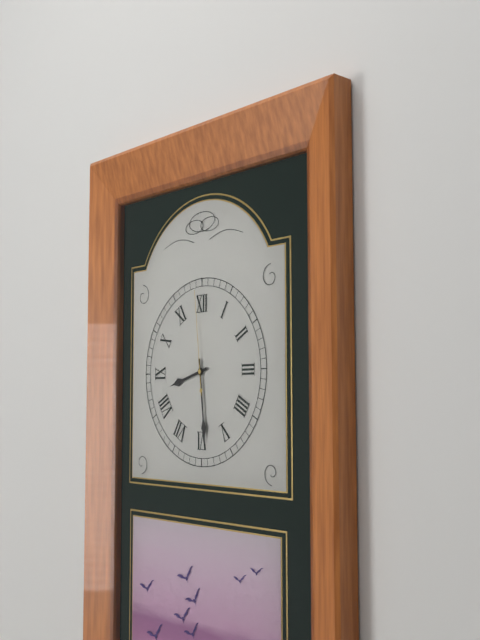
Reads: 8:29:59
